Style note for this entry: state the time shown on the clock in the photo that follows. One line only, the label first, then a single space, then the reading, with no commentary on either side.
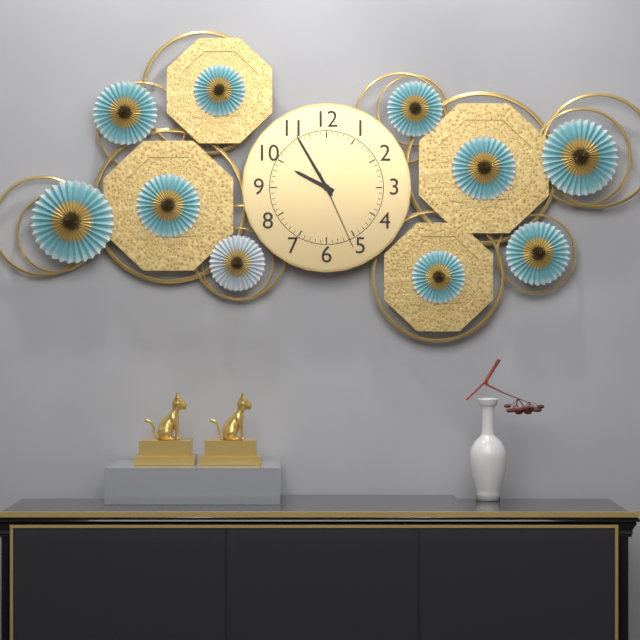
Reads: 9:55:26
